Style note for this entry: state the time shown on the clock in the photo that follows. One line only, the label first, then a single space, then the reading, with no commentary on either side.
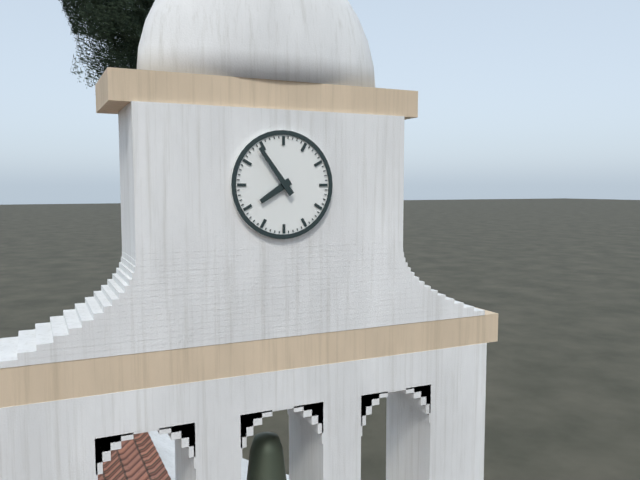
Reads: 7:54
